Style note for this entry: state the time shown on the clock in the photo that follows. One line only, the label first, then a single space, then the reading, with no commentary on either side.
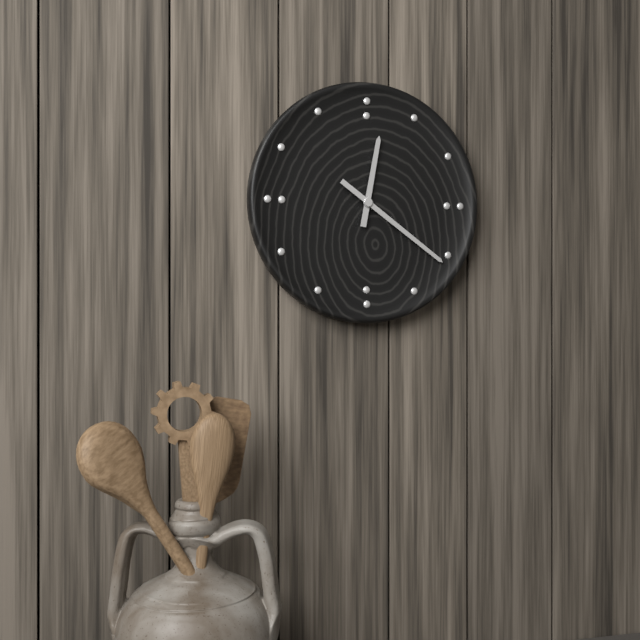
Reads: 12:21
